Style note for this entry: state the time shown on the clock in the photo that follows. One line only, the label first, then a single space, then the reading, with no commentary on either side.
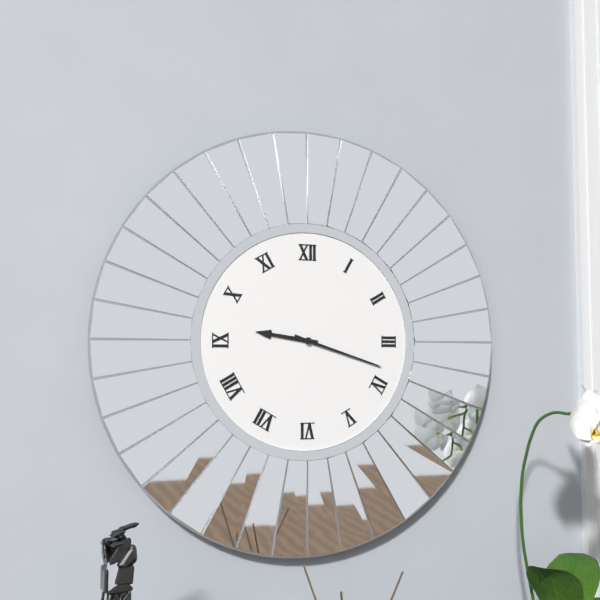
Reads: 9:18
